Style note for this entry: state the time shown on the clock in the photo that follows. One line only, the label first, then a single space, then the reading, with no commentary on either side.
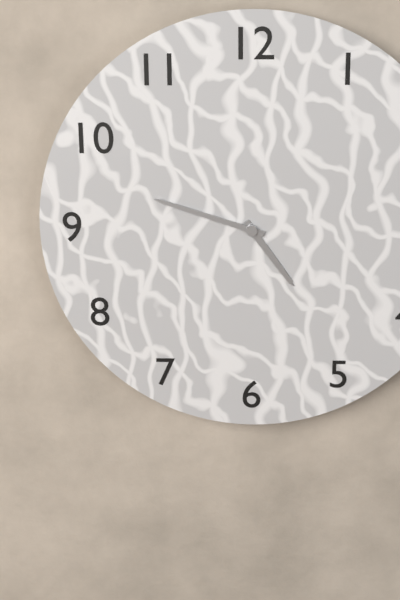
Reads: 4:48
